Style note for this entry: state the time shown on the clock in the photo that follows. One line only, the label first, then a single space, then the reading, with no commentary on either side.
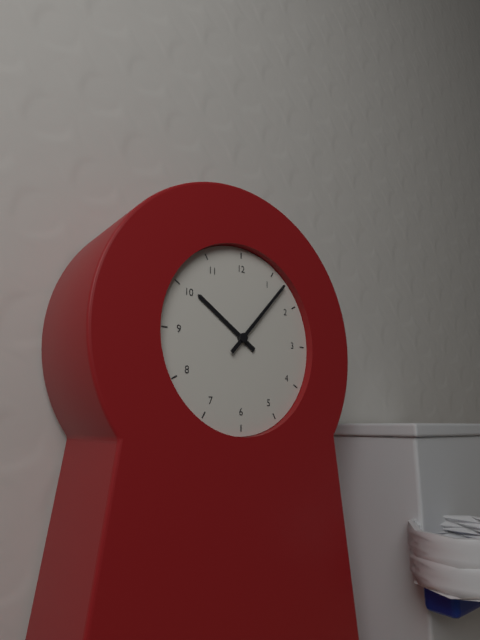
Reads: 10:07
